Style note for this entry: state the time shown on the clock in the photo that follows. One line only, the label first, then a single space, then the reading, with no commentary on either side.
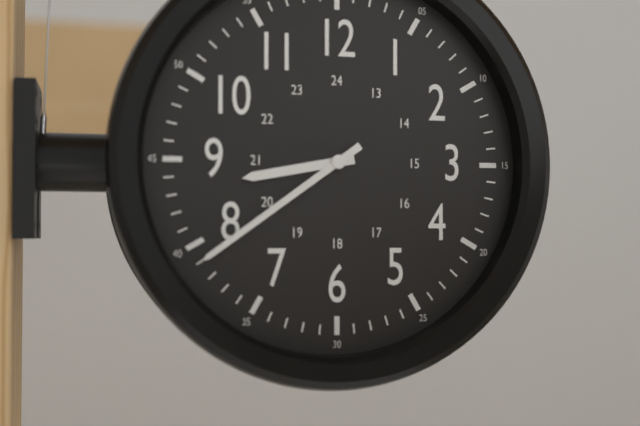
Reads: 8:39
